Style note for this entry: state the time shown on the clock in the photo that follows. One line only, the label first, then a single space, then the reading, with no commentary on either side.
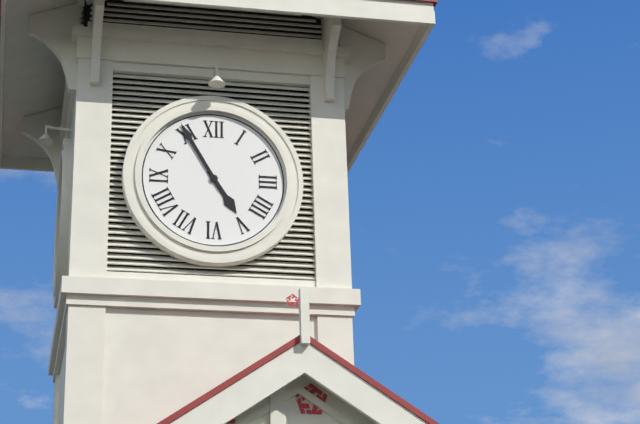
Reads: 4:55
